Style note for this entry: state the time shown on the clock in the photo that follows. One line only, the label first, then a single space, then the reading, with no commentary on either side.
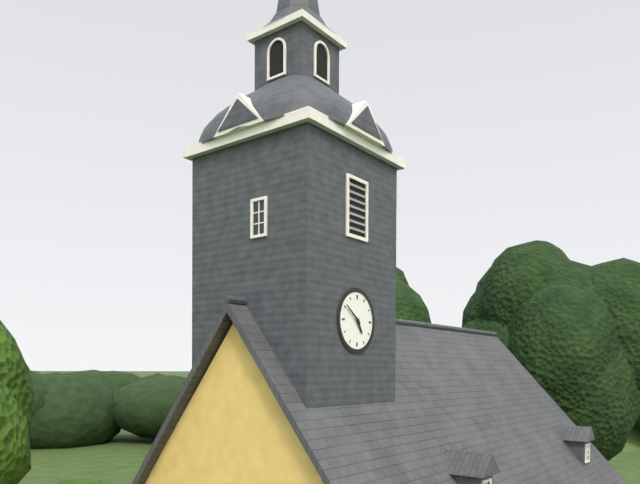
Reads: 4:51
